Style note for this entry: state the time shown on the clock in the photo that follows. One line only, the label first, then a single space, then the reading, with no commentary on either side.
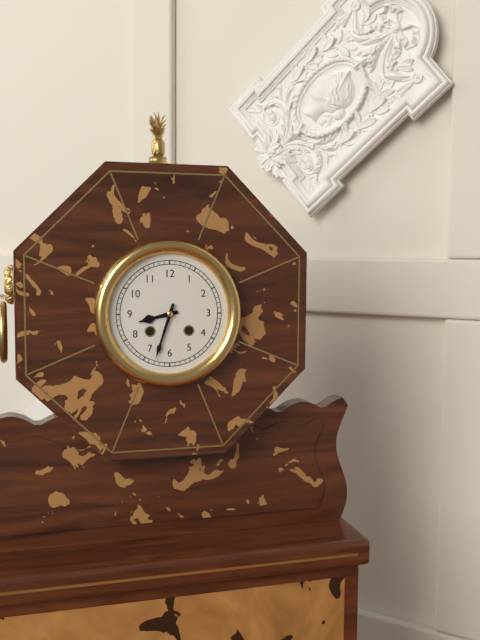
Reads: 8:33
